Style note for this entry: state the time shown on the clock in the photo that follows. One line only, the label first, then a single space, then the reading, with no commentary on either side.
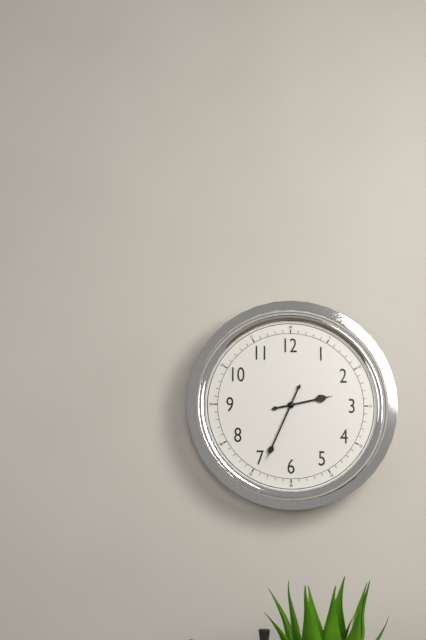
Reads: 2:34
